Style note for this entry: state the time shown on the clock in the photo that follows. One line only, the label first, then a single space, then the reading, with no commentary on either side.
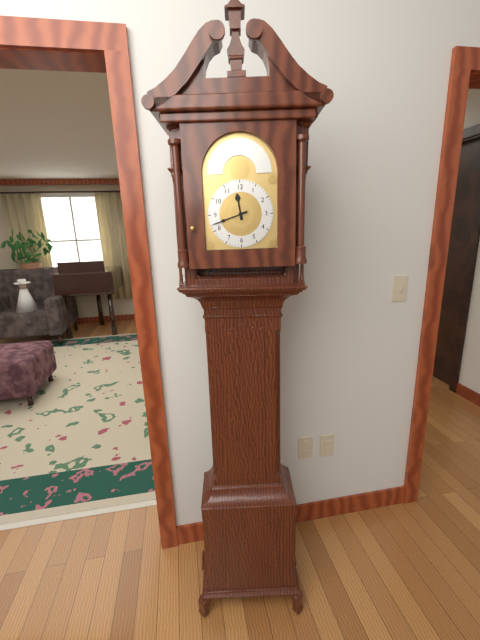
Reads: 11:42
